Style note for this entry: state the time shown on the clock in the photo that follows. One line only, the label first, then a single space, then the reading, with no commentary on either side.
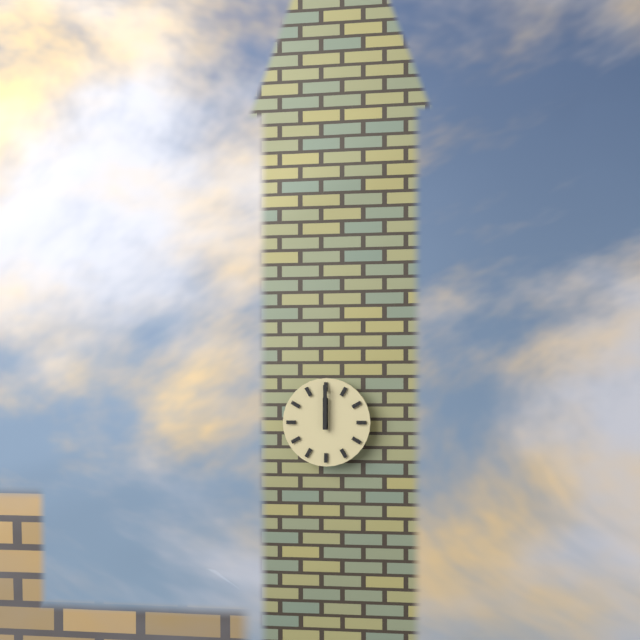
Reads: 12:00
